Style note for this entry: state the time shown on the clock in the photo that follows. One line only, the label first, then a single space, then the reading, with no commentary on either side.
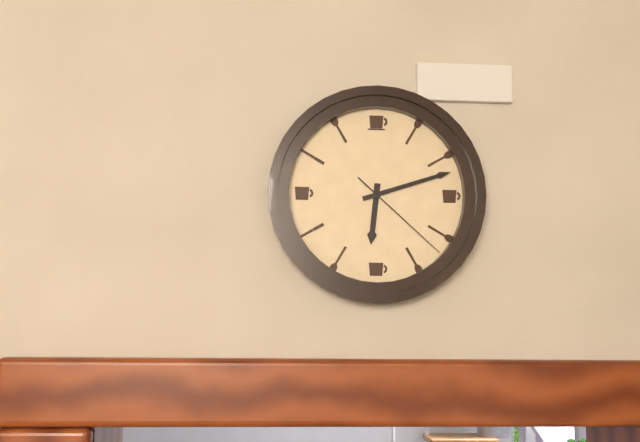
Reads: 6:12:22
